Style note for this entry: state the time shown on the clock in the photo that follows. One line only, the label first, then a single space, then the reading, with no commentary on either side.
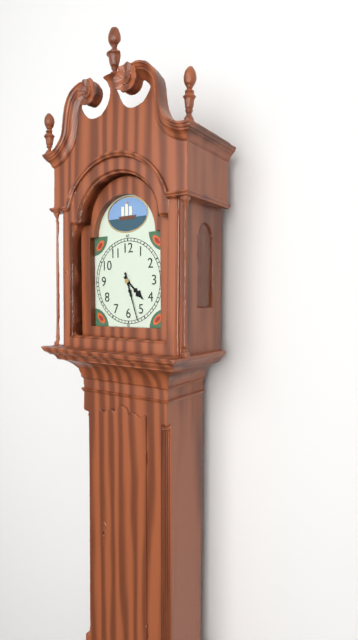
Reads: 4:27
